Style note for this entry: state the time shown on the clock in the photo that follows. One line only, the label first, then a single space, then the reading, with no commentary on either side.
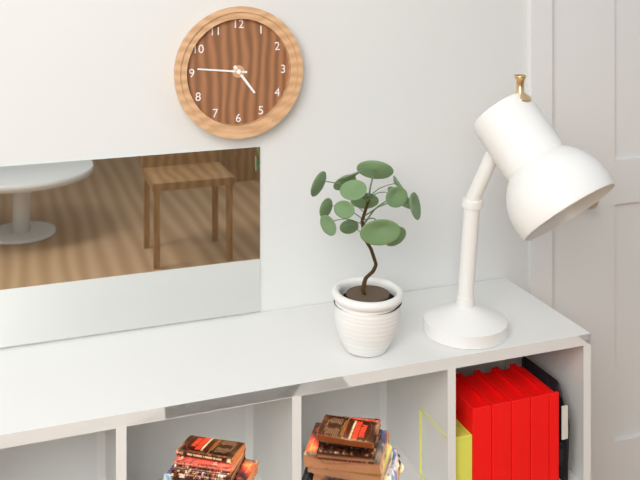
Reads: 4:46
